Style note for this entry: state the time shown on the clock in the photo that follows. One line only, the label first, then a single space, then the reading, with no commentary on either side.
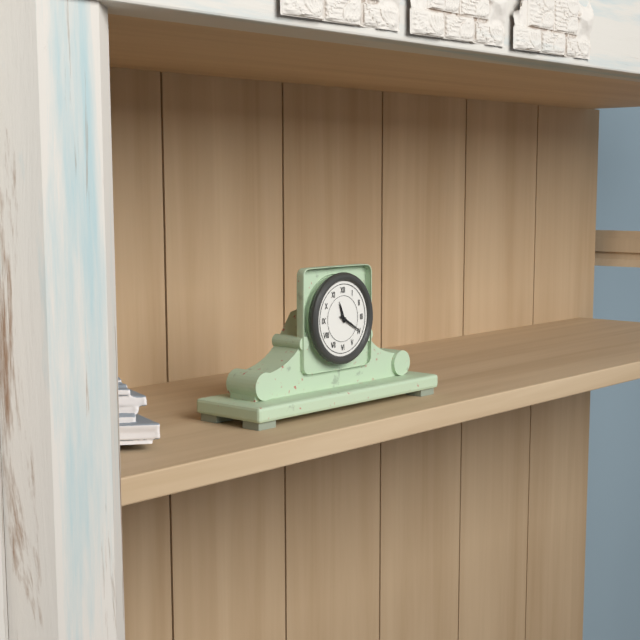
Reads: 11:20
